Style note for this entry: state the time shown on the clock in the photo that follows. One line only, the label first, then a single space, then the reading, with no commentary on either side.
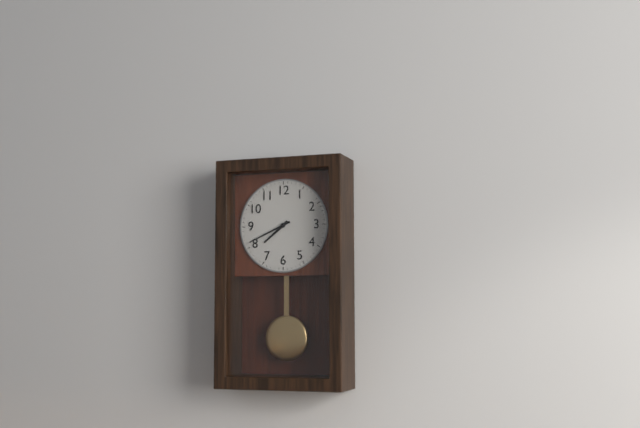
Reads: 7:41
